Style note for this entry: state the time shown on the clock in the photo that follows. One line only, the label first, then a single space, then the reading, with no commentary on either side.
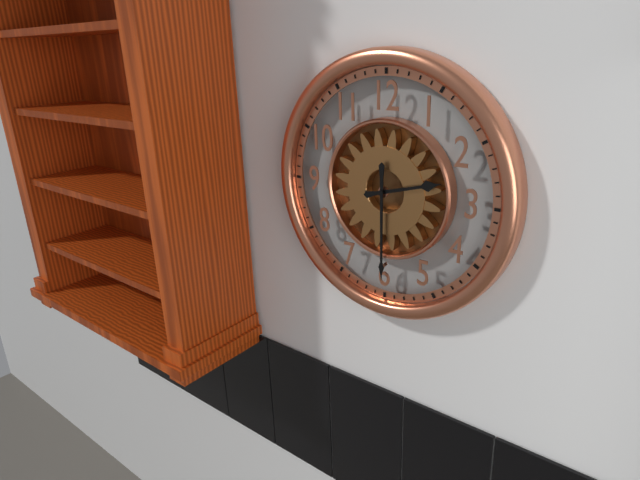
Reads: 2:30
